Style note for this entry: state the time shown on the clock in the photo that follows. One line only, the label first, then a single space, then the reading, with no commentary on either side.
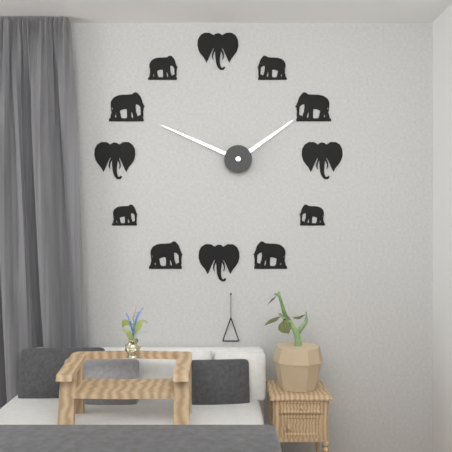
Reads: 1:49
